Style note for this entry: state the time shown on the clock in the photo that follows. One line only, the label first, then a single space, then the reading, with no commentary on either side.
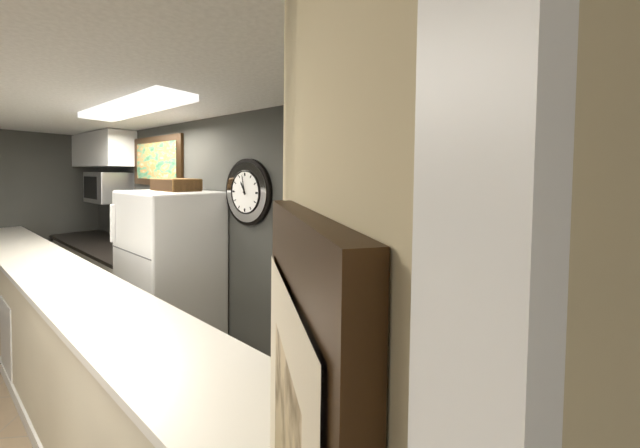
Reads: 10:58
